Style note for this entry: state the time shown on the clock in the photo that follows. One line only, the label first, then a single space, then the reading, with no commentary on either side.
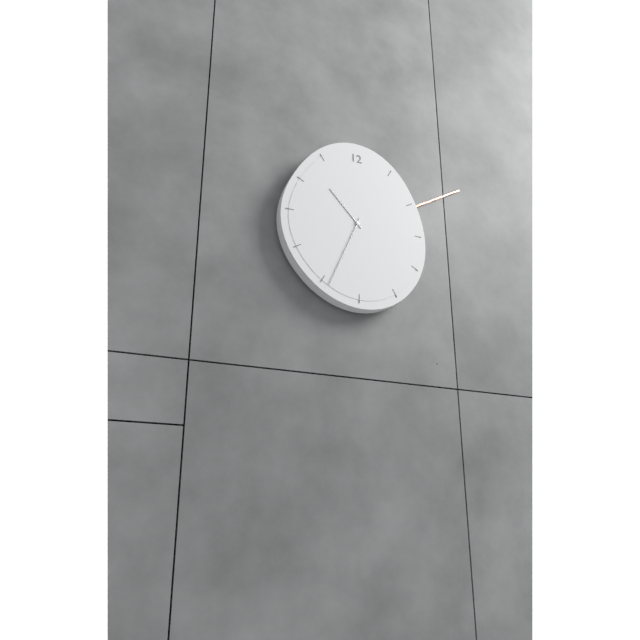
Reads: 10:34:10
